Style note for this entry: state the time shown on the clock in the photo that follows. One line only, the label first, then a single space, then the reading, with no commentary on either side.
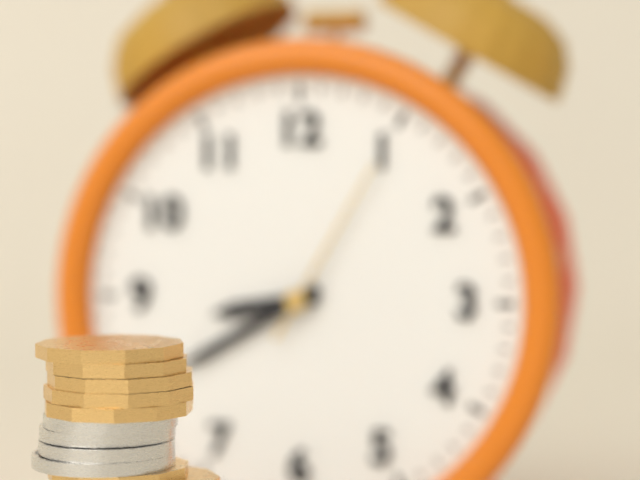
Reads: 8:40:05
